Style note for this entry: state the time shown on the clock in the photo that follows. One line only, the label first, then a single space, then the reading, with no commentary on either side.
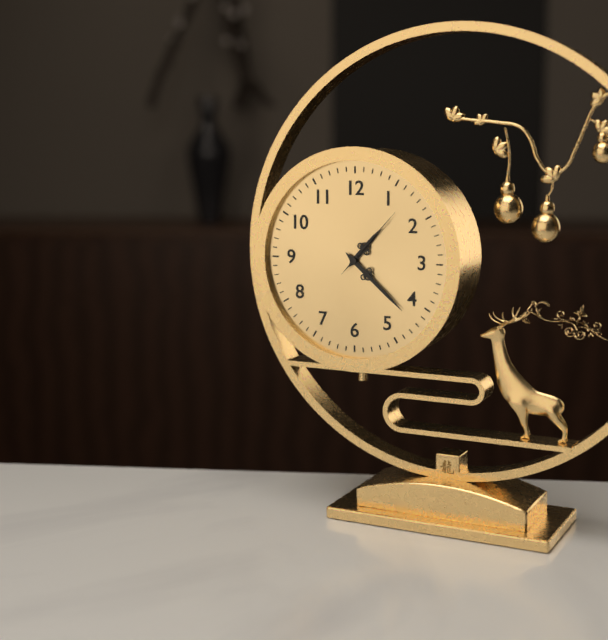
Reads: 1:22:07
